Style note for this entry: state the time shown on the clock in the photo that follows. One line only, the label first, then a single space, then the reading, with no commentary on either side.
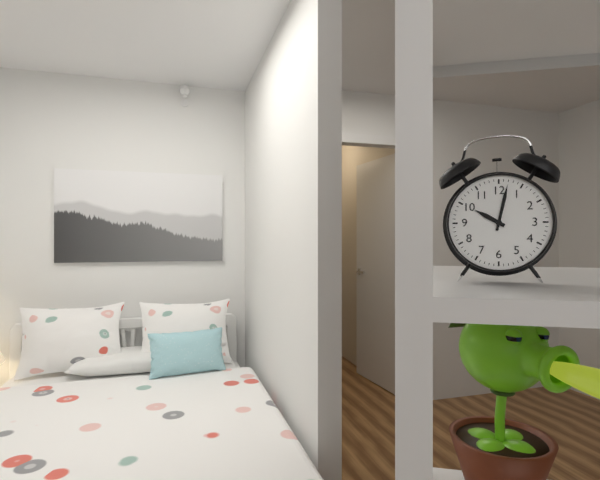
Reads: 10:02
